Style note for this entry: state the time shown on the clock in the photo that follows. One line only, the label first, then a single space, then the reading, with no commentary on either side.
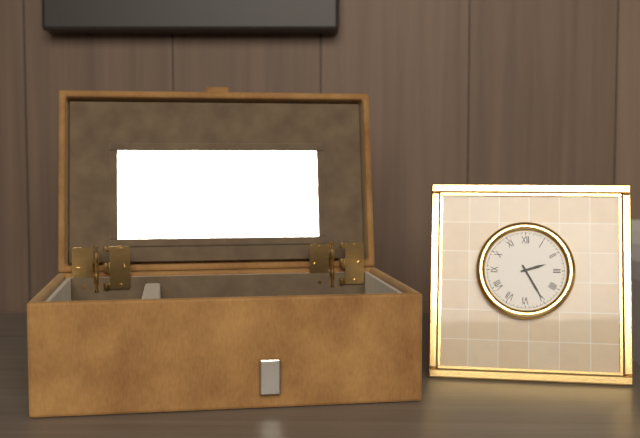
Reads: 2:25
